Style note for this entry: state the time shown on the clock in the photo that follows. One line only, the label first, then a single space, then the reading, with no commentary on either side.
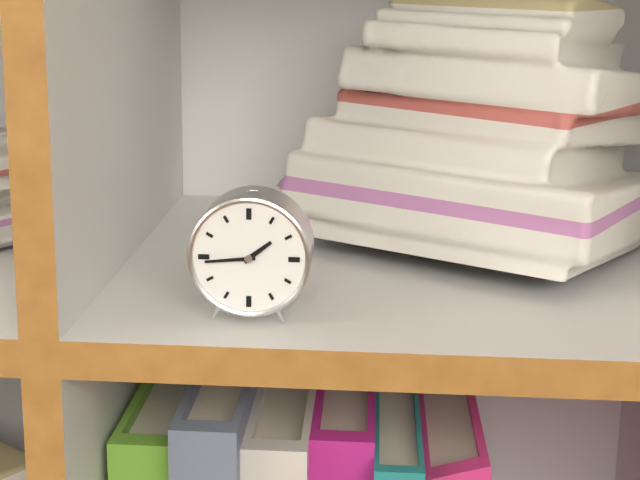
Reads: 1:44
